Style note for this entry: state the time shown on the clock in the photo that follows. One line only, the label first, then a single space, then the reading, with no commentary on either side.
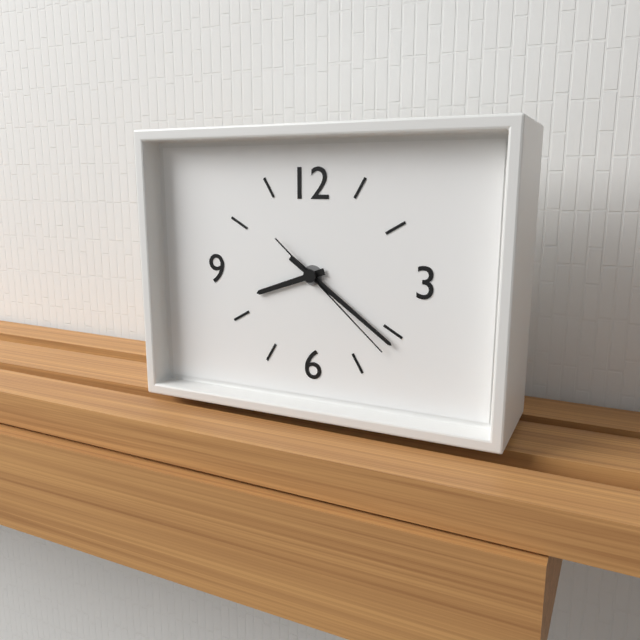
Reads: 8:21:22
